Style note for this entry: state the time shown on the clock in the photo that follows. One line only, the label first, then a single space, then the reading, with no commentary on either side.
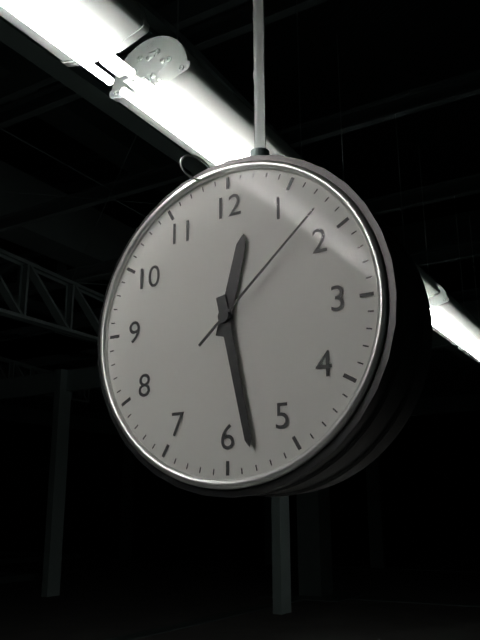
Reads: 12:28:08
